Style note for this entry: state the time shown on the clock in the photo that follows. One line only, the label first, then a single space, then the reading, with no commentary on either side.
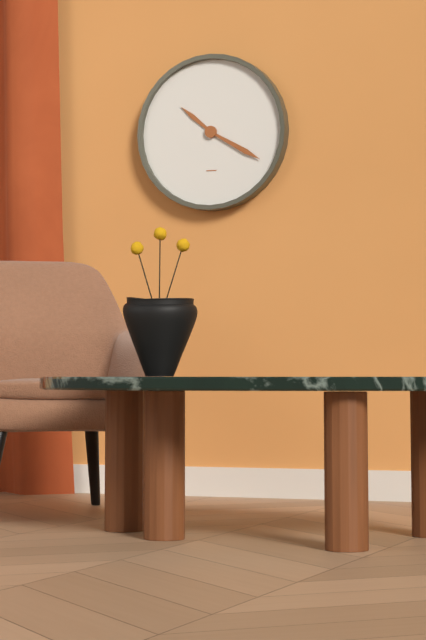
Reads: 10:20
